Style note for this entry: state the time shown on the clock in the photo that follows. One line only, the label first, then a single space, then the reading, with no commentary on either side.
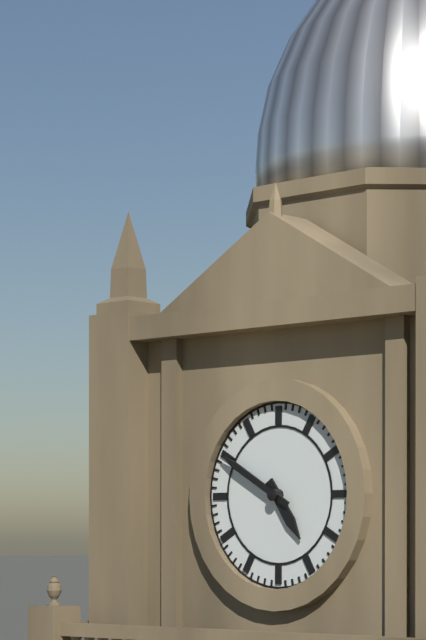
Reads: 4:50
